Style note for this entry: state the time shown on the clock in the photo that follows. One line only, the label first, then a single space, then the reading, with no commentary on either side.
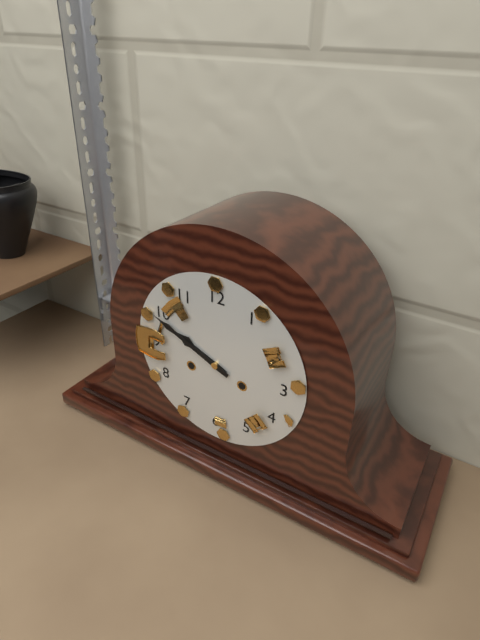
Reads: 9:49
